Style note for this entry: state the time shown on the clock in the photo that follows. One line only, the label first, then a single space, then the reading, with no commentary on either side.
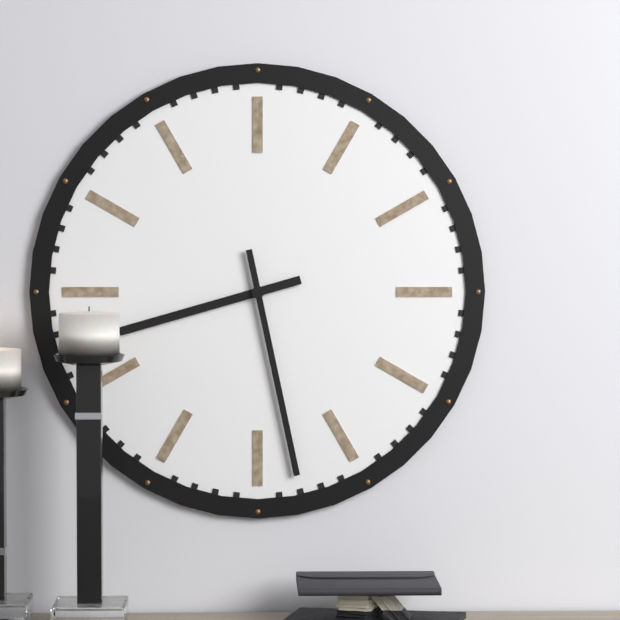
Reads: 8:28
